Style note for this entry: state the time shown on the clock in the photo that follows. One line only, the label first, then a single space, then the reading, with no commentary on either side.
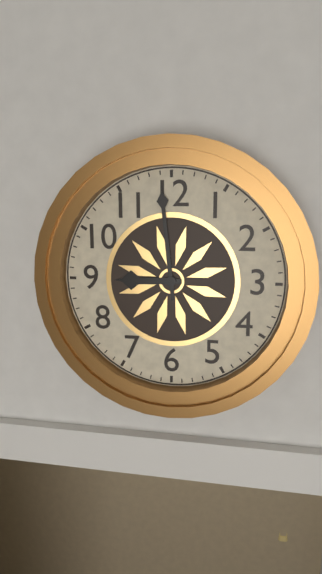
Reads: 8:59
